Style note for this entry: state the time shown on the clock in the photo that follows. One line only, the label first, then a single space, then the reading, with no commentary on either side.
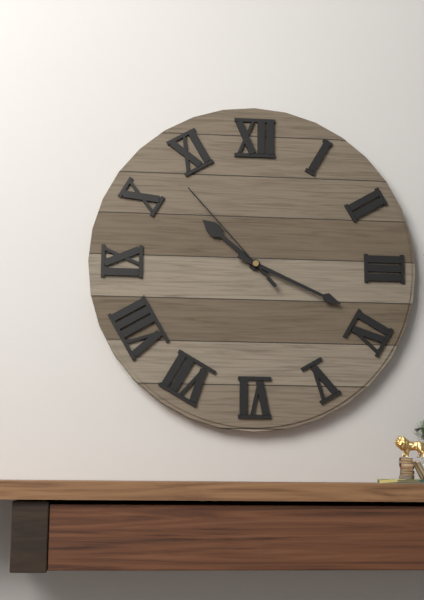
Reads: 10:19:53
